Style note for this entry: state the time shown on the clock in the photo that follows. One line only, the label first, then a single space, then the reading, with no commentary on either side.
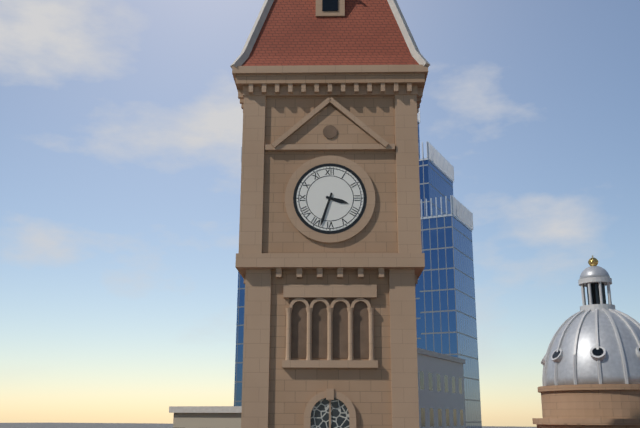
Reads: 3:33
